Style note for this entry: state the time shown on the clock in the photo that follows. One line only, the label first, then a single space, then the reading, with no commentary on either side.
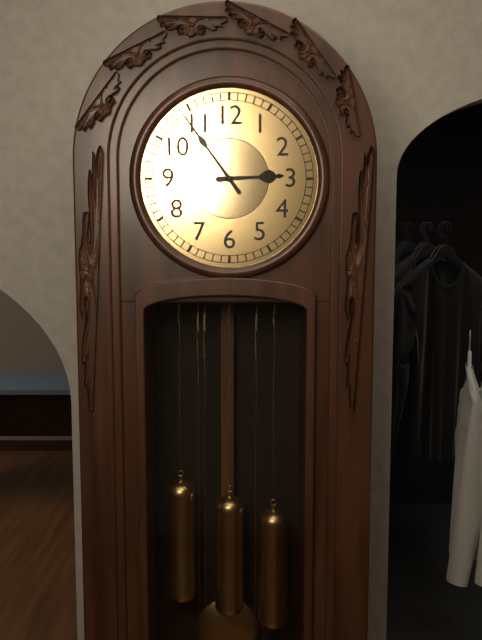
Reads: 2:54
